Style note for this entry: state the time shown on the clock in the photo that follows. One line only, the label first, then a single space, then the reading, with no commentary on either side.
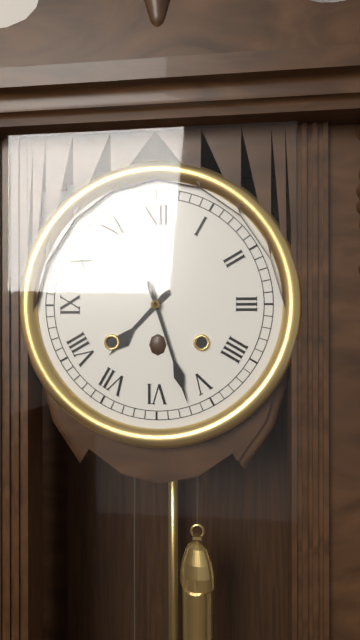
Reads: 7:27
